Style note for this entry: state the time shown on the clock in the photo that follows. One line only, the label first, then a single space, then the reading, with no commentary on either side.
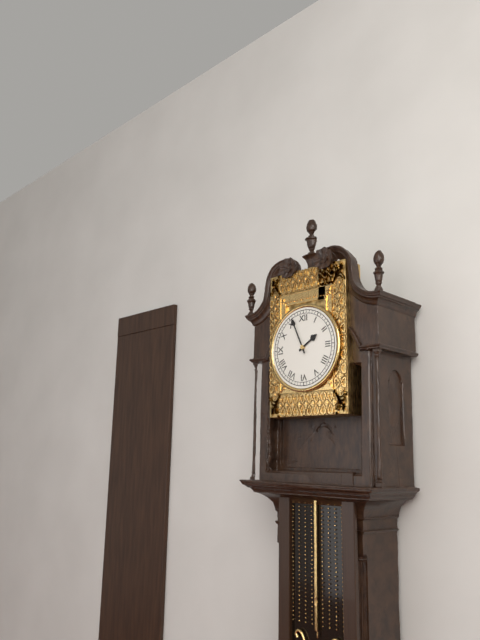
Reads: 1:56
